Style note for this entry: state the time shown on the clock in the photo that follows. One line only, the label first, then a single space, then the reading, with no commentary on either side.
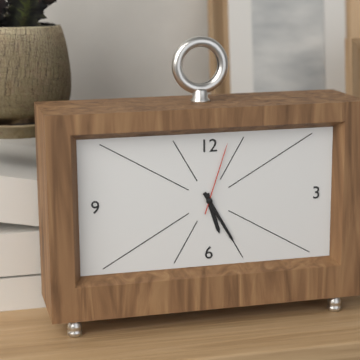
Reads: 5:25:03
